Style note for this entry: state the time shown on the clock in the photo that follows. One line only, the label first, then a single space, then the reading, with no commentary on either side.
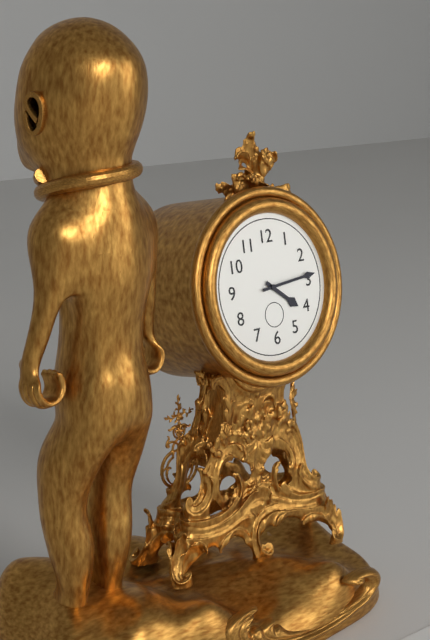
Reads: 4:14
